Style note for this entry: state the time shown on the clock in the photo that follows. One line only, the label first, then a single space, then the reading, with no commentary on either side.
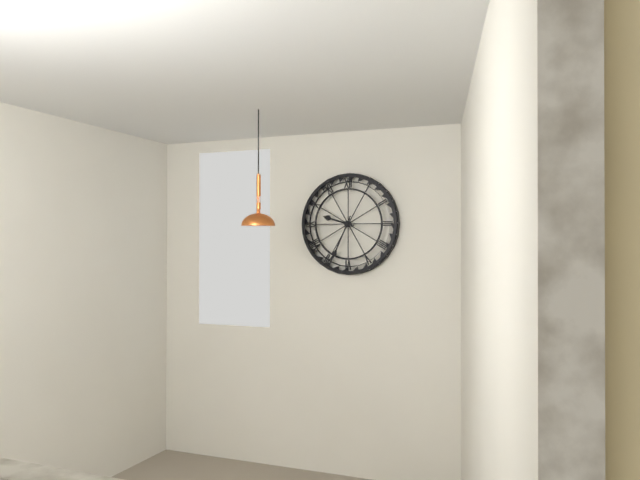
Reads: 9:34
